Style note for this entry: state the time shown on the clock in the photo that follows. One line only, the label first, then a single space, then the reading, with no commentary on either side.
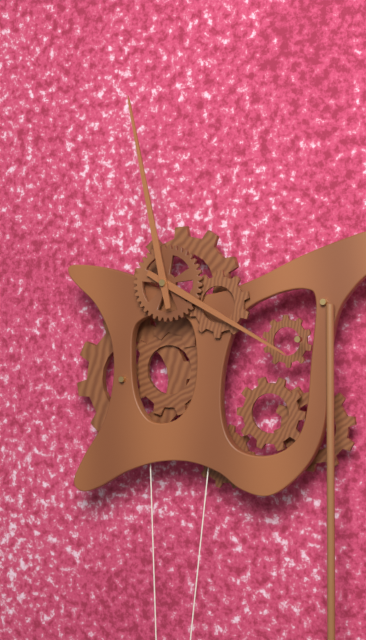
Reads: 3:58
